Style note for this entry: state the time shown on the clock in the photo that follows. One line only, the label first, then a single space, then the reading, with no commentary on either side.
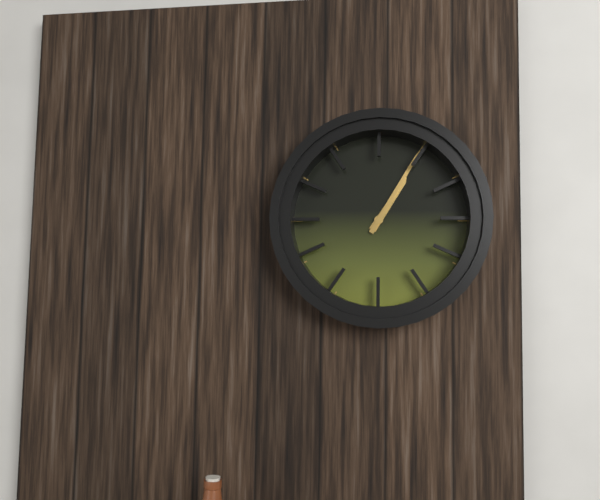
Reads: 1:05
